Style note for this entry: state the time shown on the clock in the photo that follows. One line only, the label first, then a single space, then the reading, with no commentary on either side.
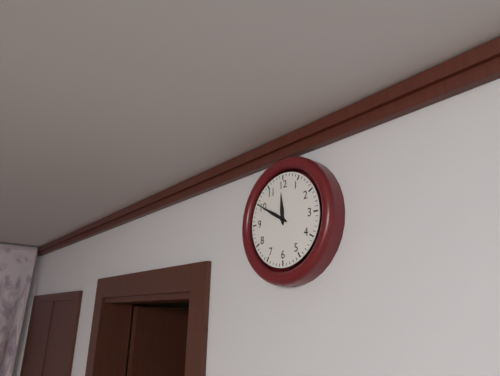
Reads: 11:50
